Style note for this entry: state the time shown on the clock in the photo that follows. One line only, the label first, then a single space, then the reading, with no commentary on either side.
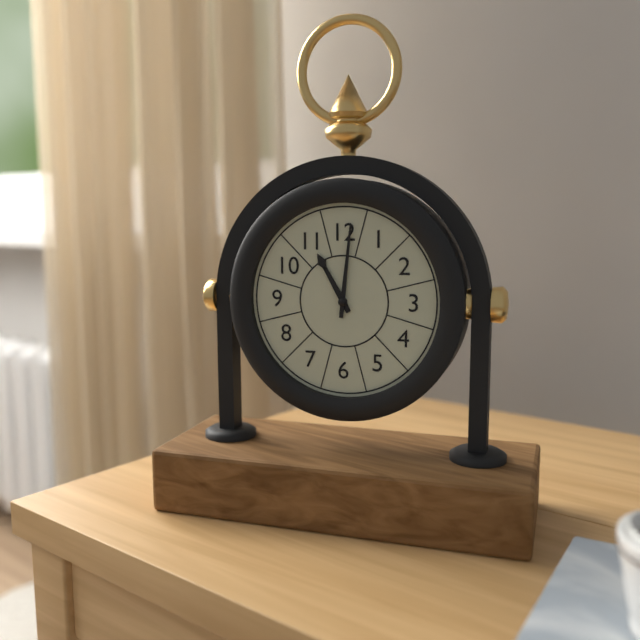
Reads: 11:01
